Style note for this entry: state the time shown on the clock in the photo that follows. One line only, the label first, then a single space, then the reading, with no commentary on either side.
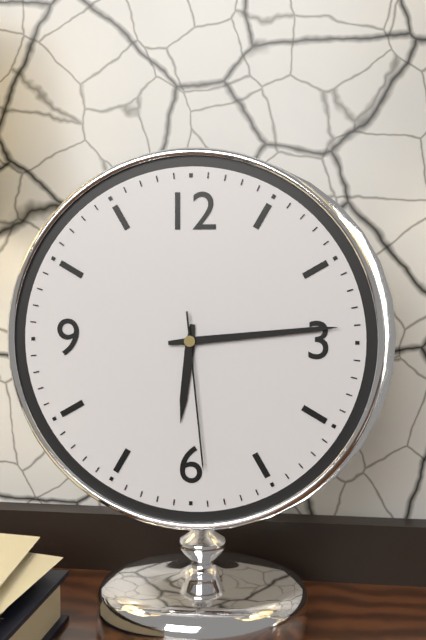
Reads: 6:14:29
